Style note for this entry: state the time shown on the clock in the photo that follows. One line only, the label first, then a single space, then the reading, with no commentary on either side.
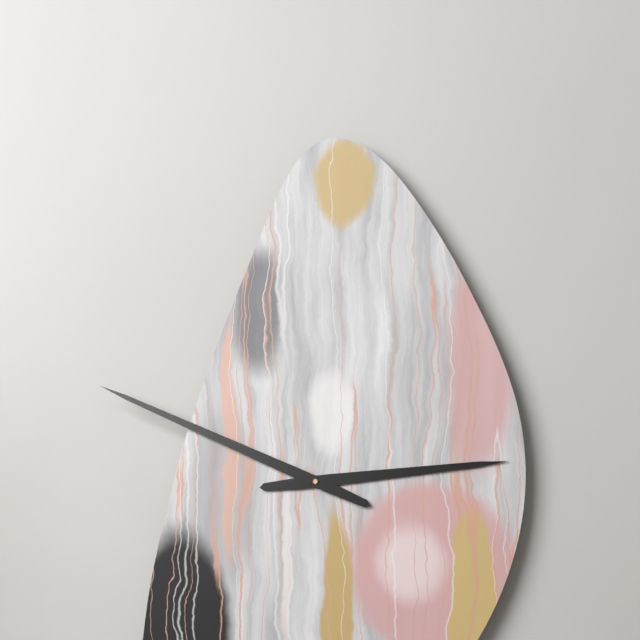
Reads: 2:49
